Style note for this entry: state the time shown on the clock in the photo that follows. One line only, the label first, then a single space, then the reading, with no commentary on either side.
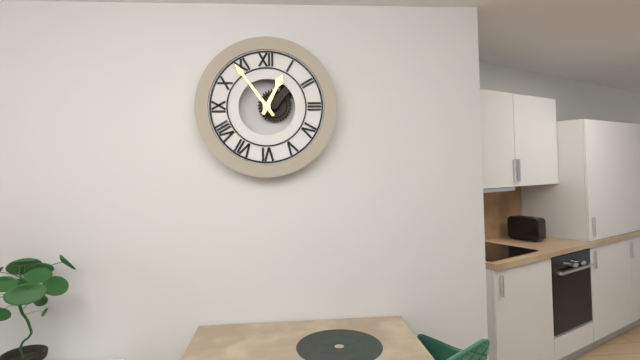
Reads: 12:54
